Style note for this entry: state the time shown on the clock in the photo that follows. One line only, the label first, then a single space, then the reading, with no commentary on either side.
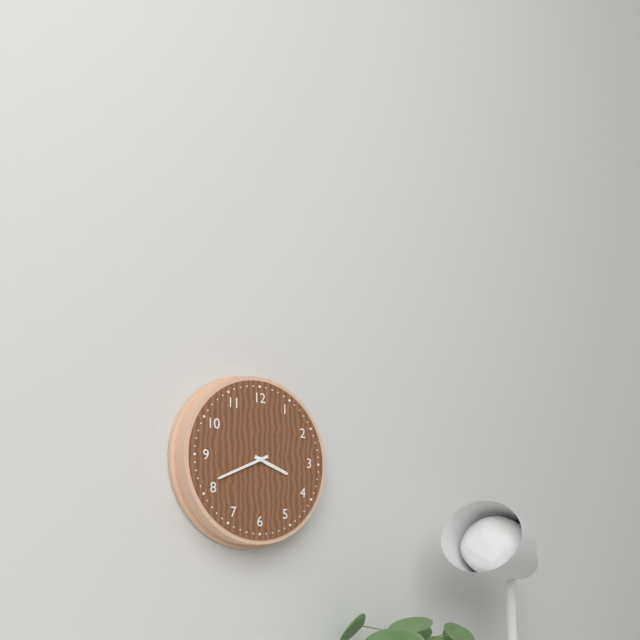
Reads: 3:41
